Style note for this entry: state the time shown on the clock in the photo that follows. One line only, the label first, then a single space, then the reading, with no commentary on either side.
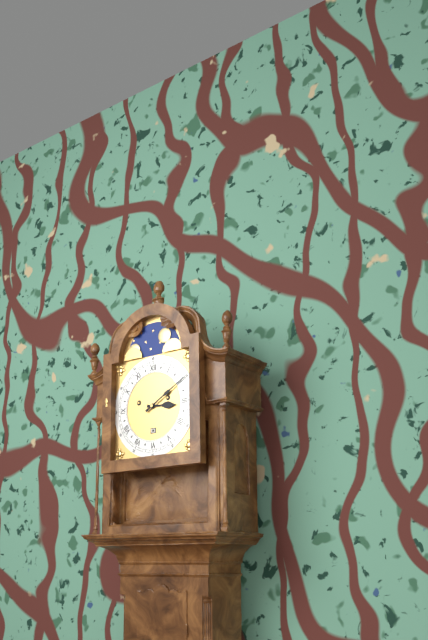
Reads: 3:10
